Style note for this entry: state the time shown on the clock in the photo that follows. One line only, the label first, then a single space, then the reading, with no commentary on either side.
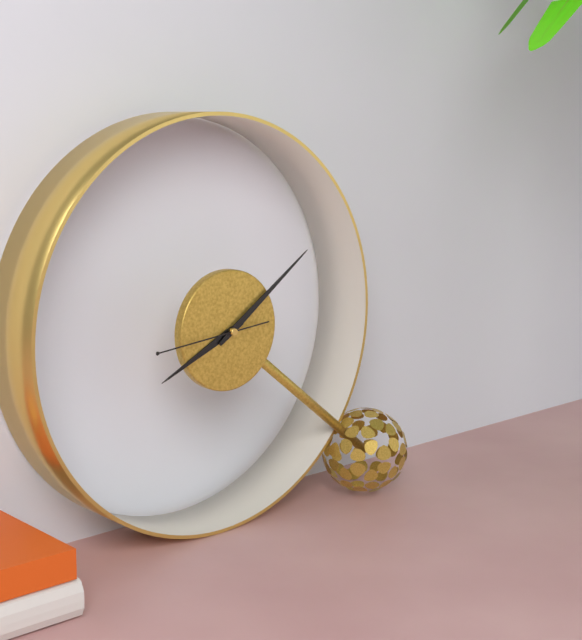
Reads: 8:09:44
